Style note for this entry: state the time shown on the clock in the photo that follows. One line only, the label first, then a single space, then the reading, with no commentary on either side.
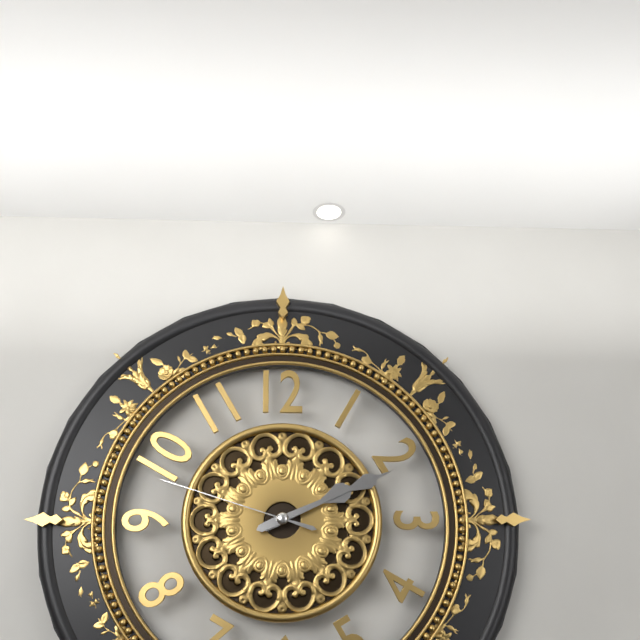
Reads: 2:11:48
